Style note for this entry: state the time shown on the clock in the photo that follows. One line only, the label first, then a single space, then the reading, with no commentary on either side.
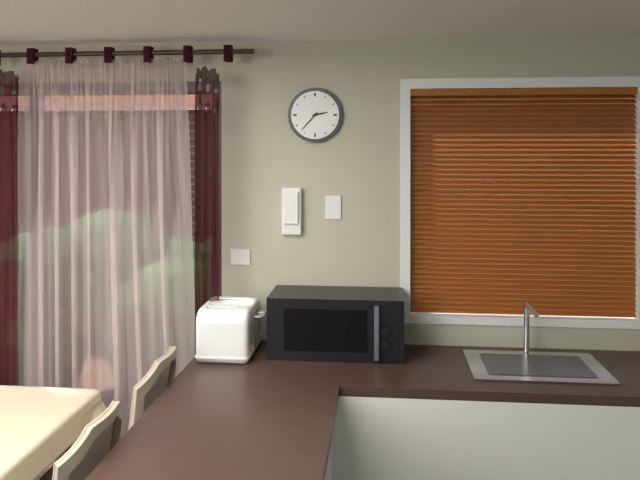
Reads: 2:37
